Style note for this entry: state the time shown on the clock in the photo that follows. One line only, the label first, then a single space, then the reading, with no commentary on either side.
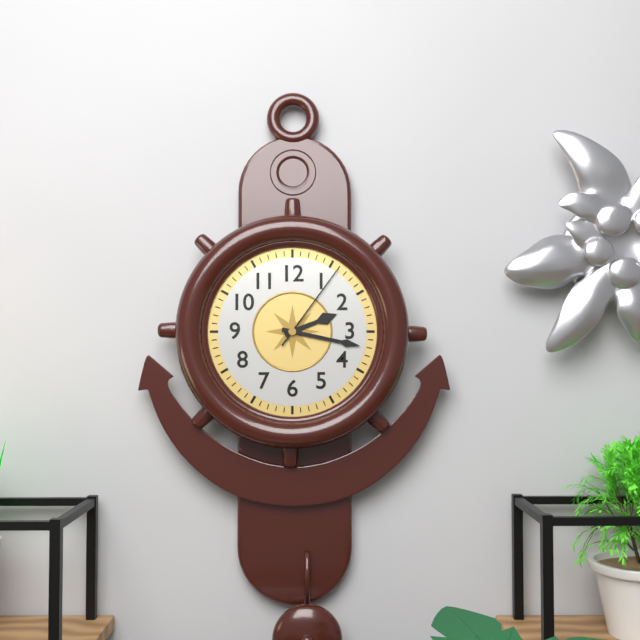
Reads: 2:17:06
